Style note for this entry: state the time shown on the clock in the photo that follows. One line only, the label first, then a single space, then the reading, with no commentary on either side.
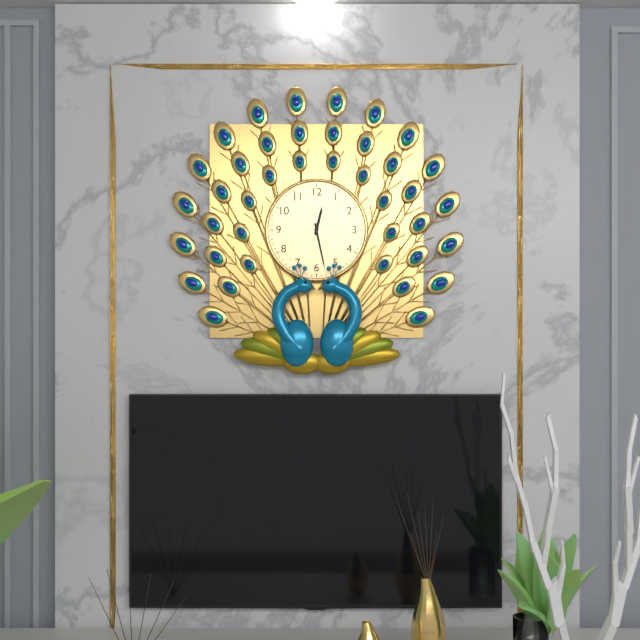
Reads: 12:28
